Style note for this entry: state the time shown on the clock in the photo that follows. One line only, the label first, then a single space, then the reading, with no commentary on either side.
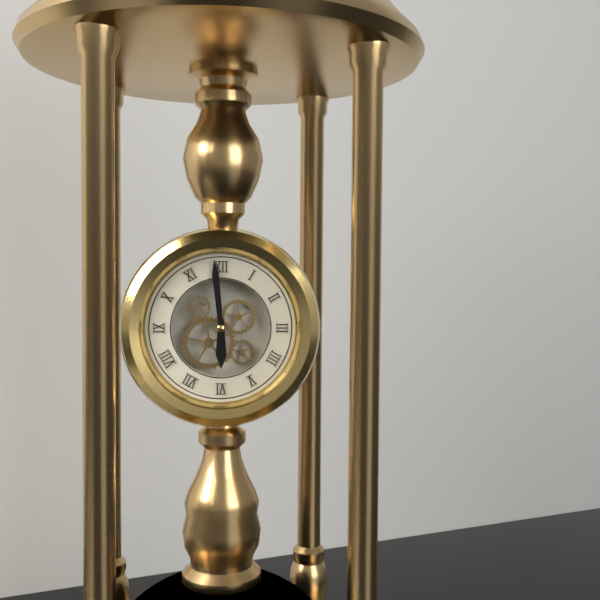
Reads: 5:59
